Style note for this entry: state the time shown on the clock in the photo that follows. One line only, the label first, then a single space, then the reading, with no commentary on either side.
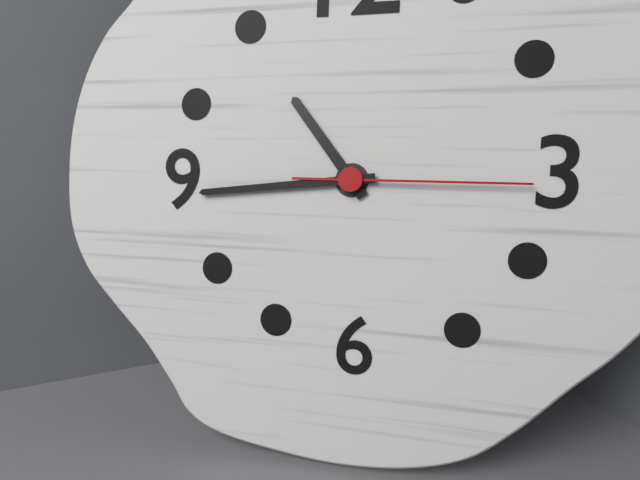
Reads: 10:44:15
